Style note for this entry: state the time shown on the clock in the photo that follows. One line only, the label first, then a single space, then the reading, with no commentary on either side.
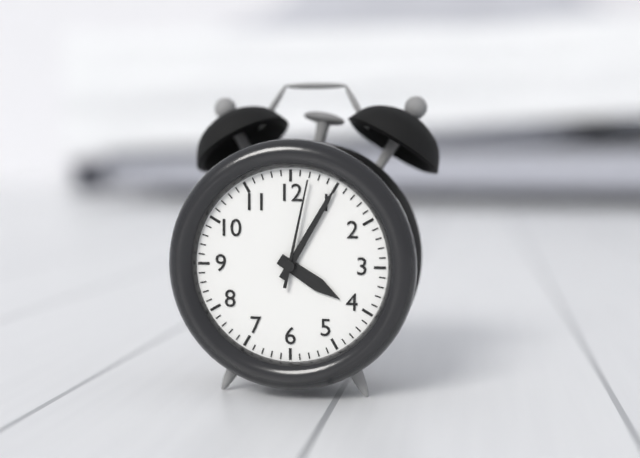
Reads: 4:05:02
